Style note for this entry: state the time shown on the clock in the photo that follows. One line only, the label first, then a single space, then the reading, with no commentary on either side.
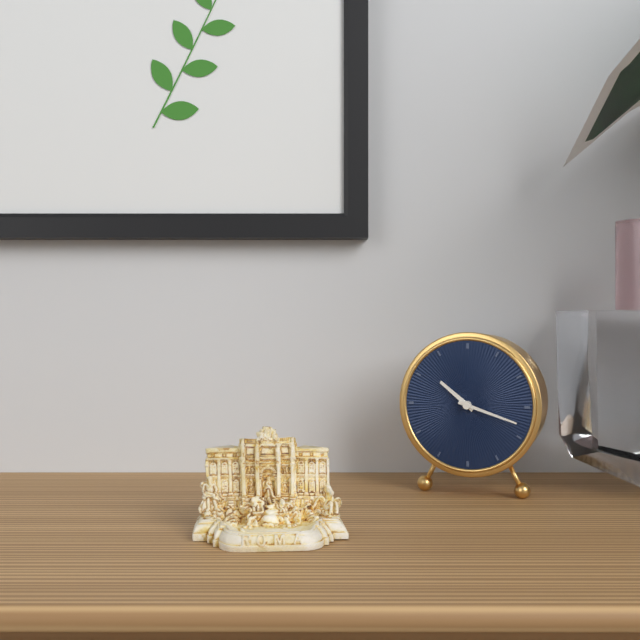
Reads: 10:18
